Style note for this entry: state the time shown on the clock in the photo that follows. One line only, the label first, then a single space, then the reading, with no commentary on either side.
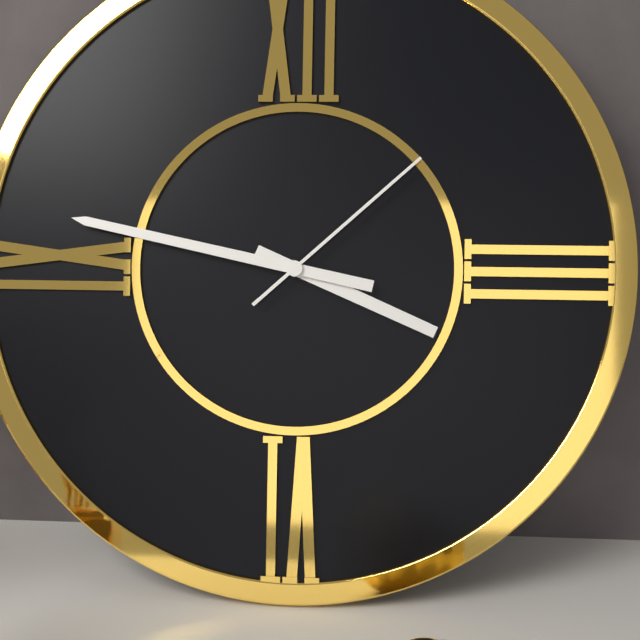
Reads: 3:47:08
